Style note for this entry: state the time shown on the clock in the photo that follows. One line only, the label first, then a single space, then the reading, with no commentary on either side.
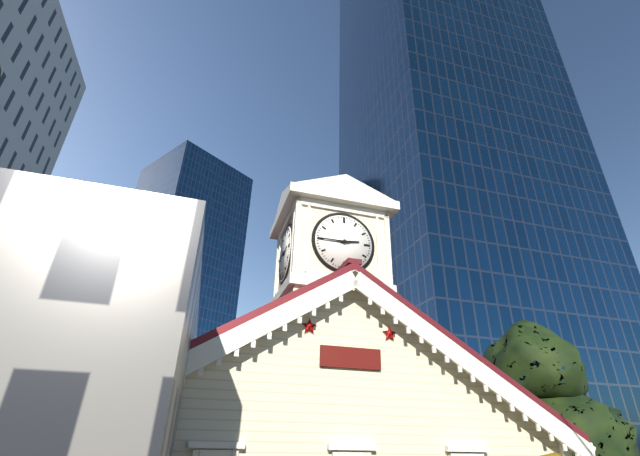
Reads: 2:45
